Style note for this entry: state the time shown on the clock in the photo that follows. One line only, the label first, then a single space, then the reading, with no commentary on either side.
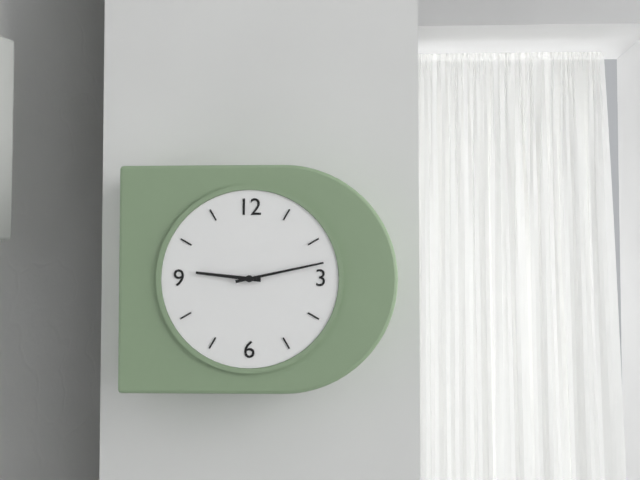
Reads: 9:13
